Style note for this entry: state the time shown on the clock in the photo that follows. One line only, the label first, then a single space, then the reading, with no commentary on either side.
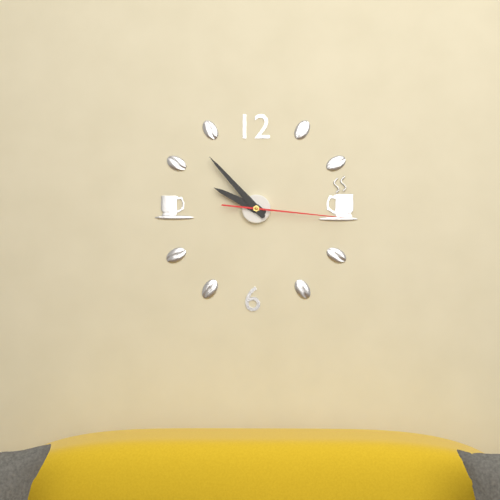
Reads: 9:53:16
